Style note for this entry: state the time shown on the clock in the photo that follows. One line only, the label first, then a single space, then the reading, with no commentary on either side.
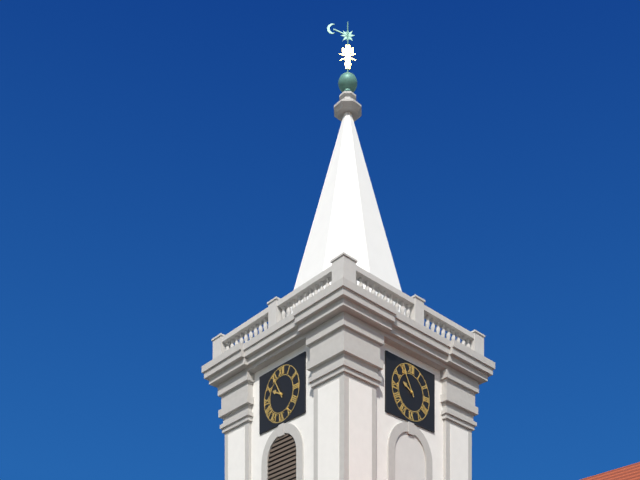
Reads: 9:55
